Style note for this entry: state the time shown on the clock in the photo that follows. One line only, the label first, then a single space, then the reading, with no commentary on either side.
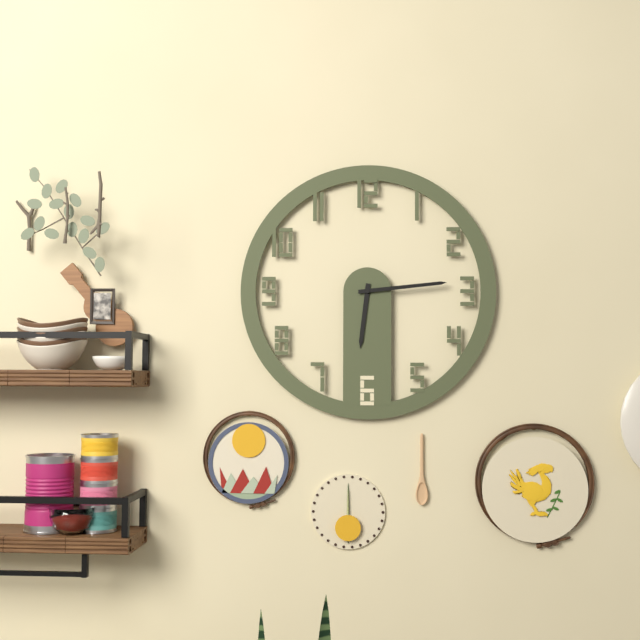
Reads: 6:14
